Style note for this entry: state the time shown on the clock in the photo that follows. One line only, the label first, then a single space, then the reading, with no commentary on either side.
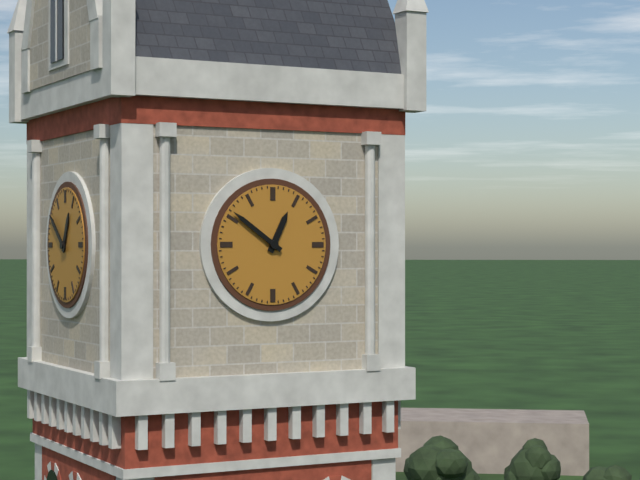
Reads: 12:51
